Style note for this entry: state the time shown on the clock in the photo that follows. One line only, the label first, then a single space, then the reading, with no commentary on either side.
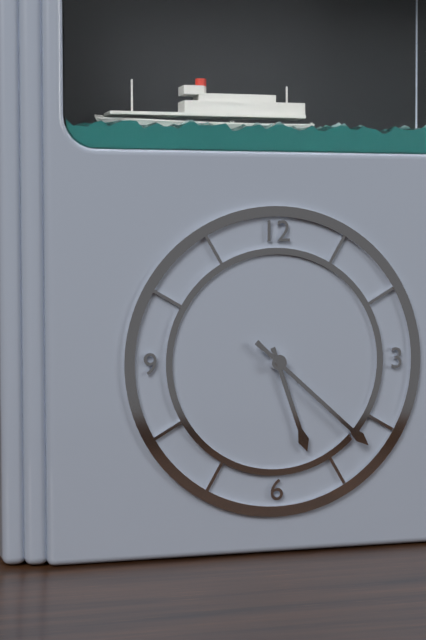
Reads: 5:22
